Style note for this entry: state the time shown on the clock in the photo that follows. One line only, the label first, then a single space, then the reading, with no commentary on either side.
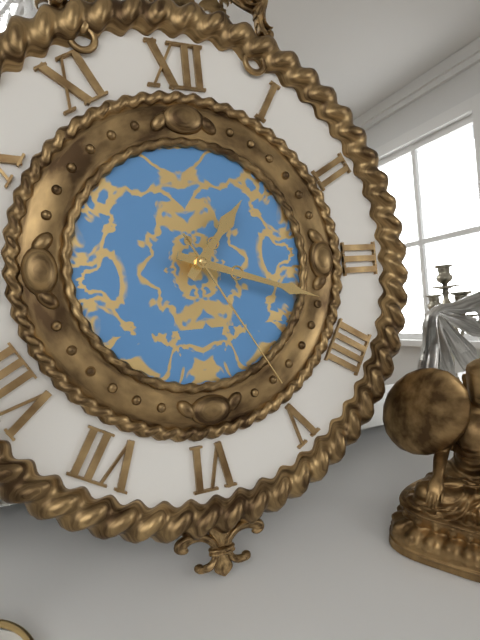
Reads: 1:18:25
